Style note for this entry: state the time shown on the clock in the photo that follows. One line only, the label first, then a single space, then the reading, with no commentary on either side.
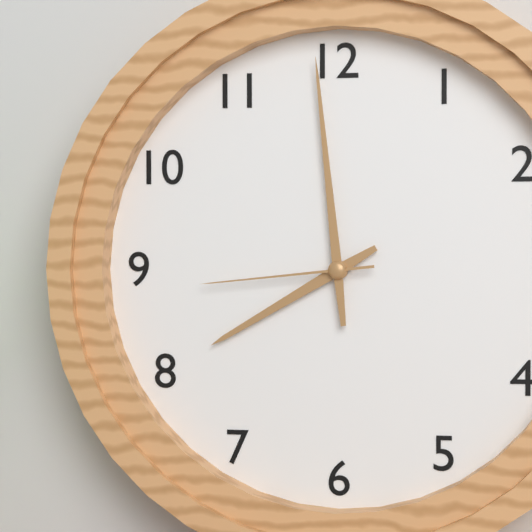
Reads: 7:59:44
